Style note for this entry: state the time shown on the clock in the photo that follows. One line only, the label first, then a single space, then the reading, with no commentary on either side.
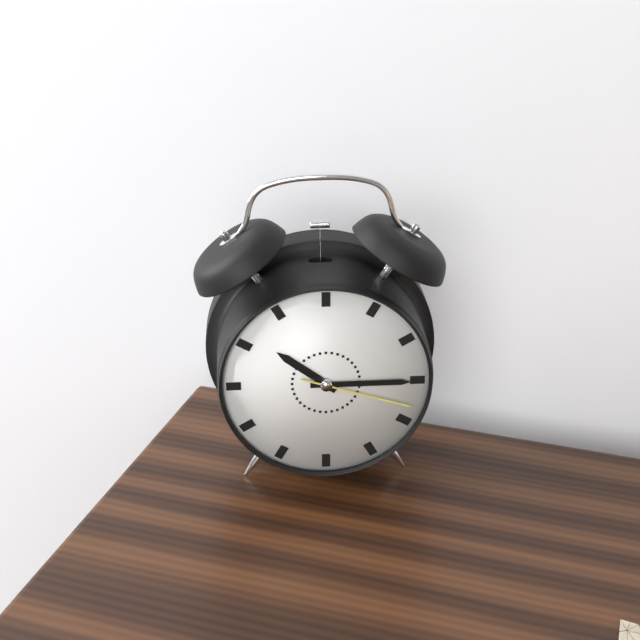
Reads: 10:15:18
